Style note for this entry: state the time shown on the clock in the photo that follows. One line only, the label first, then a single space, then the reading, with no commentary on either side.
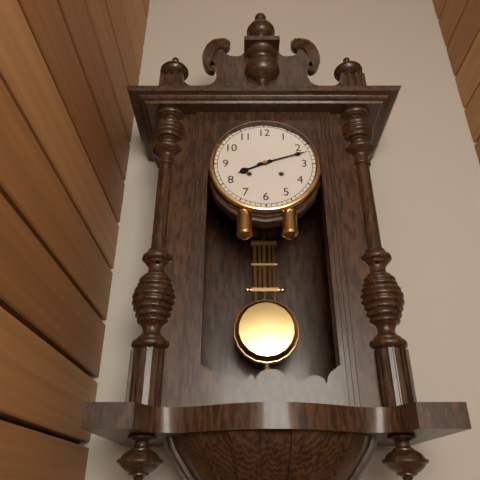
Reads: 8:12
